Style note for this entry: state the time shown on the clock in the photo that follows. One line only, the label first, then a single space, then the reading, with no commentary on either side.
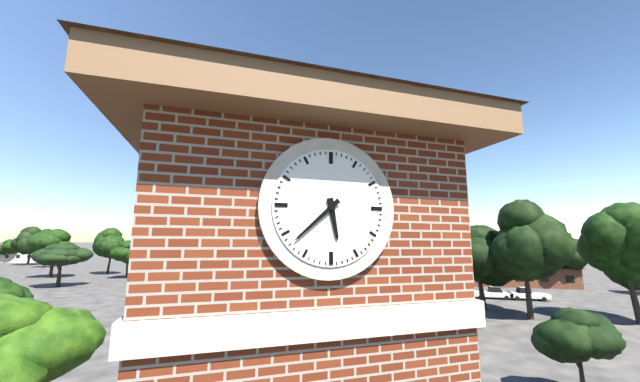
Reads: 5:38
